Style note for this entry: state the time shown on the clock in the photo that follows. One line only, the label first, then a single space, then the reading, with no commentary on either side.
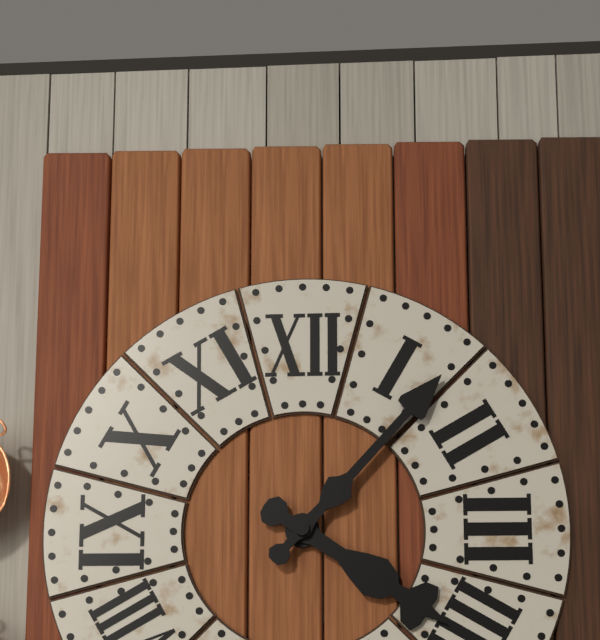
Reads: 4:07
